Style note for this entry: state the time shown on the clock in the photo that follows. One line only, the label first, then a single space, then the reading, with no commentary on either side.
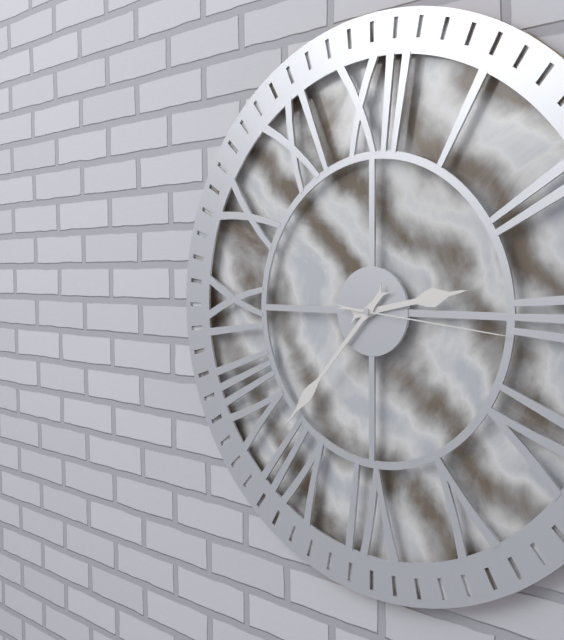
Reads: 2:37:16
